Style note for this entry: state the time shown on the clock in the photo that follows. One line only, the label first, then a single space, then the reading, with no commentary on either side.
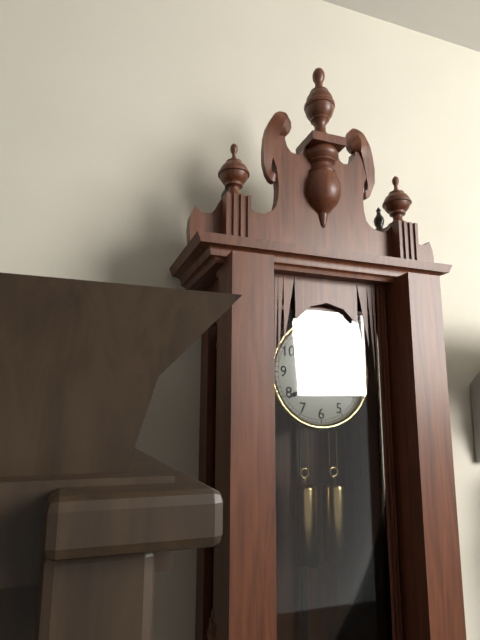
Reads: 3:39
